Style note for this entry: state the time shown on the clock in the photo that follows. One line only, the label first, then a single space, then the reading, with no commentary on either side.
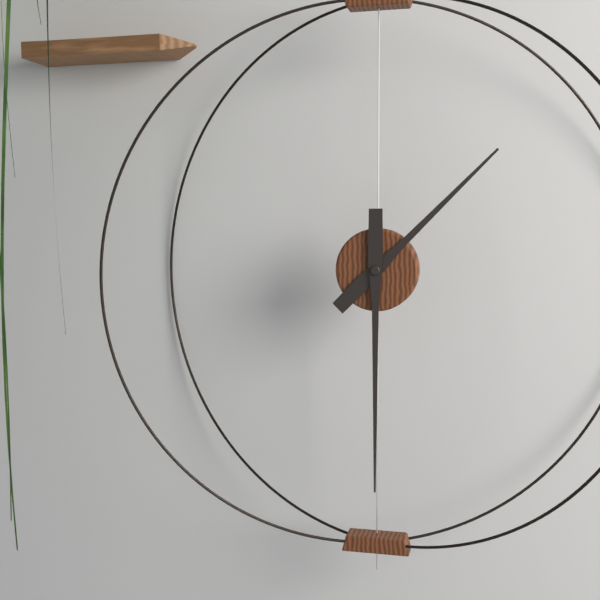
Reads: 1:30
